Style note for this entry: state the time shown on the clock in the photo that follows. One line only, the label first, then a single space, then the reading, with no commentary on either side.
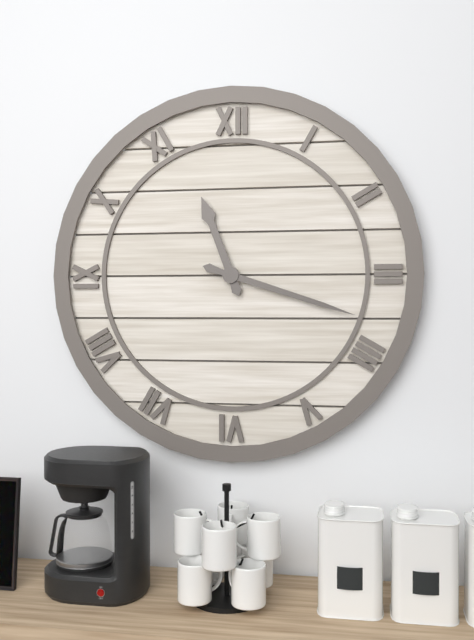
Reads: 11:18
